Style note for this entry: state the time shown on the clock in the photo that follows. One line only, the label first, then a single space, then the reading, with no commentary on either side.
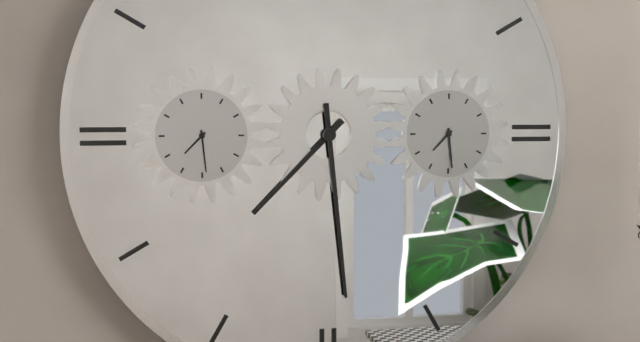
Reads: 7:29
